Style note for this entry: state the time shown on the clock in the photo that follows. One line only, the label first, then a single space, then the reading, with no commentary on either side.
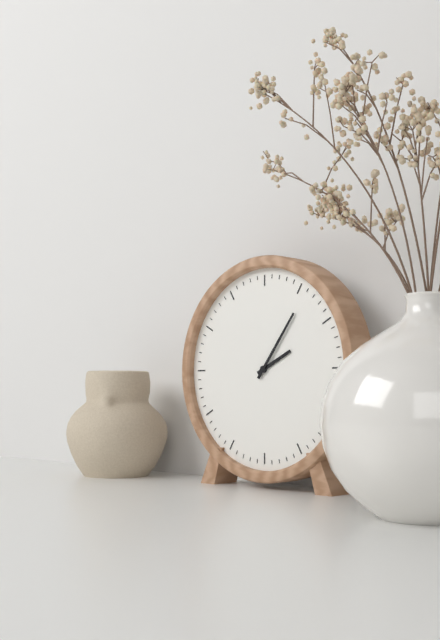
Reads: 2:06
